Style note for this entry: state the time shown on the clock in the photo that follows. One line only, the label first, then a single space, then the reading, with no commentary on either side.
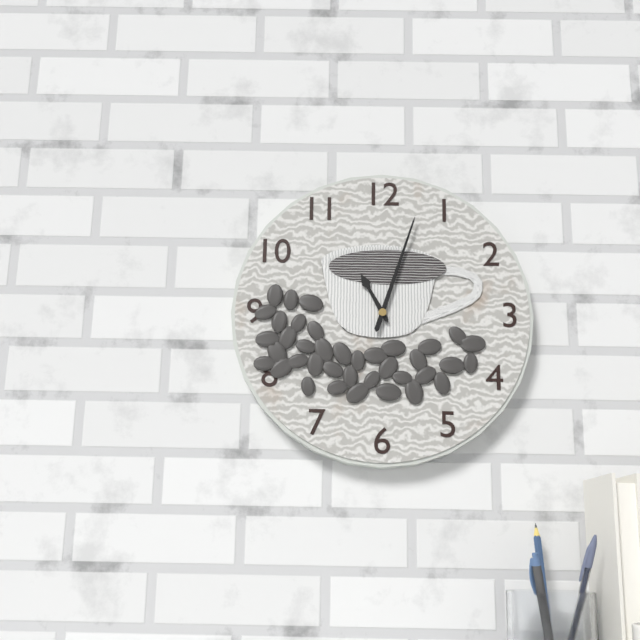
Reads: 11:03
